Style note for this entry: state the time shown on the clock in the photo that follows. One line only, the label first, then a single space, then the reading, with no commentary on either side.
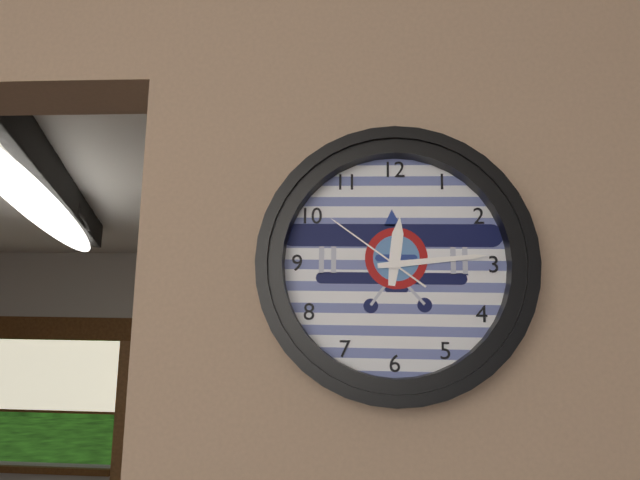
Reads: 12:14:51
